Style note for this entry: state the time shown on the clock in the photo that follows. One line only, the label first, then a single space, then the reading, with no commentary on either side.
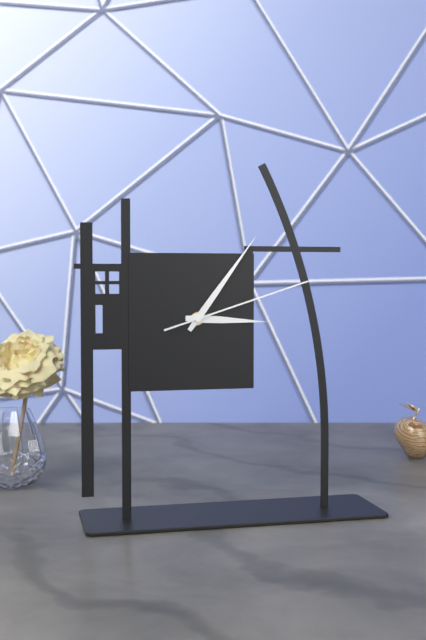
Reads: 3:06:12
